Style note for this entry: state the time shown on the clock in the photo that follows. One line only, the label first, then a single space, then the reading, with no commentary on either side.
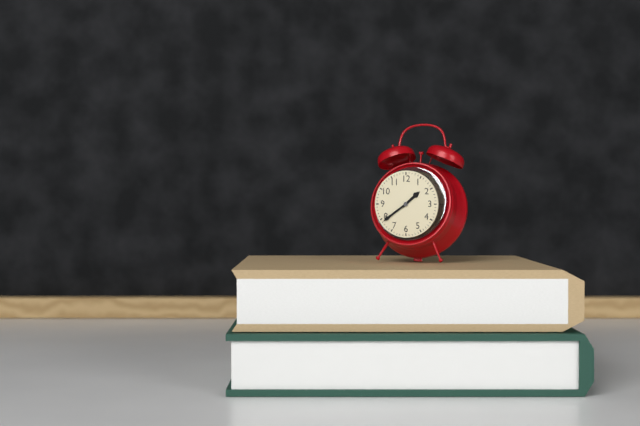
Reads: 1:39
